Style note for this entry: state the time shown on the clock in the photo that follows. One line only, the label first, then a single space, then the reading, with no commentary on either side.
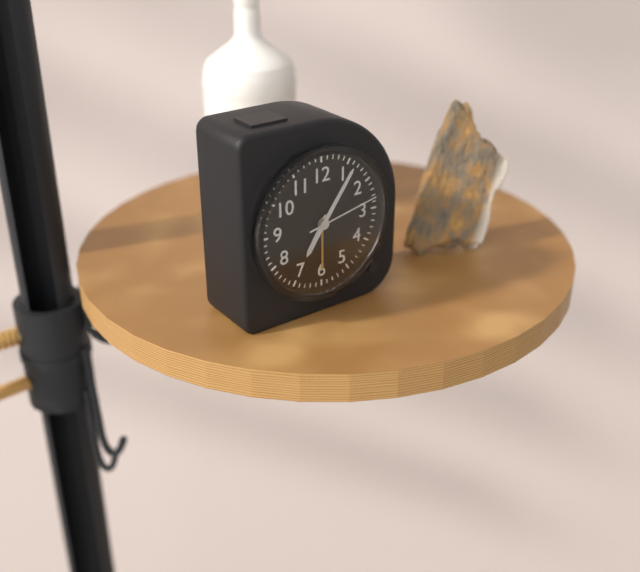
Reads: 7:06:13
